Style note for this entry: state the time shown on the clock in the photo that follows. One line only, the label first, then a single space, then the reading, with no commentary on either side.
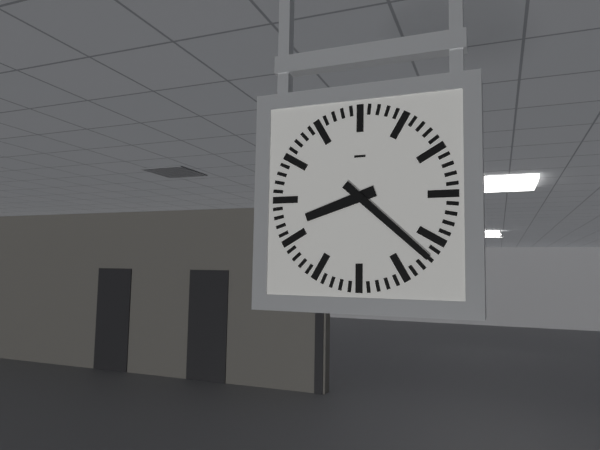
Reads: 8:22
